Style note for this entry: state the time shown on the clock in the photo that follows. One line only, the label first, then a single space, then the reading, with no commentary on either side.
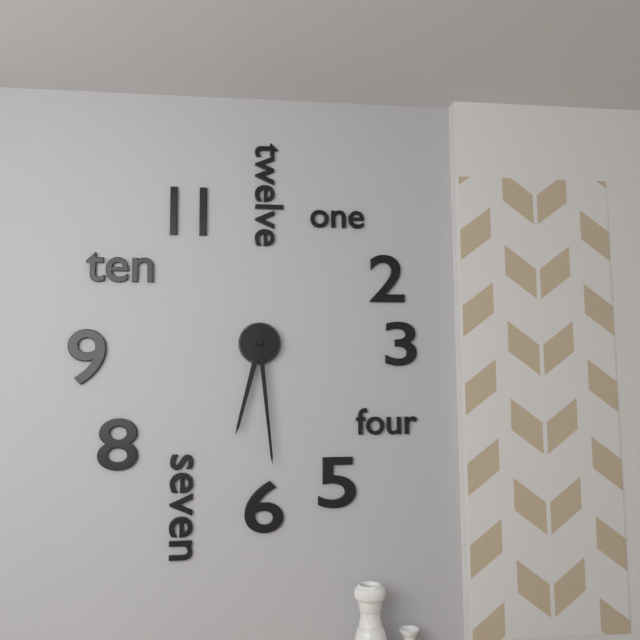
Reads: 6:29
